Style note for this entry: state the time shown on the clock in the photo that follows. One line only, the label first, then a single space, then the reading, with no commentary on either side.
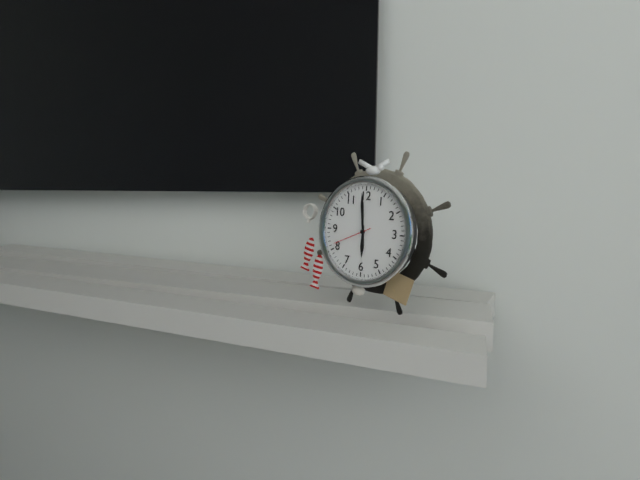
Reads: 5:59
